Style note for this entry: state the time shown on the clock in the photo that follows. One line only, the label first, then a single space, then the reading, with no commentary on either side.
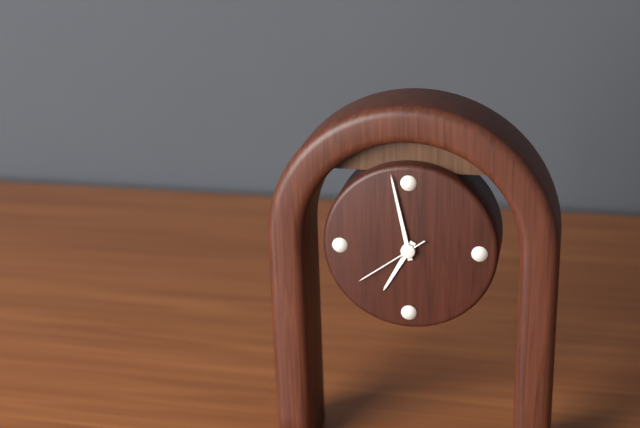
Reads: 6:58:39
